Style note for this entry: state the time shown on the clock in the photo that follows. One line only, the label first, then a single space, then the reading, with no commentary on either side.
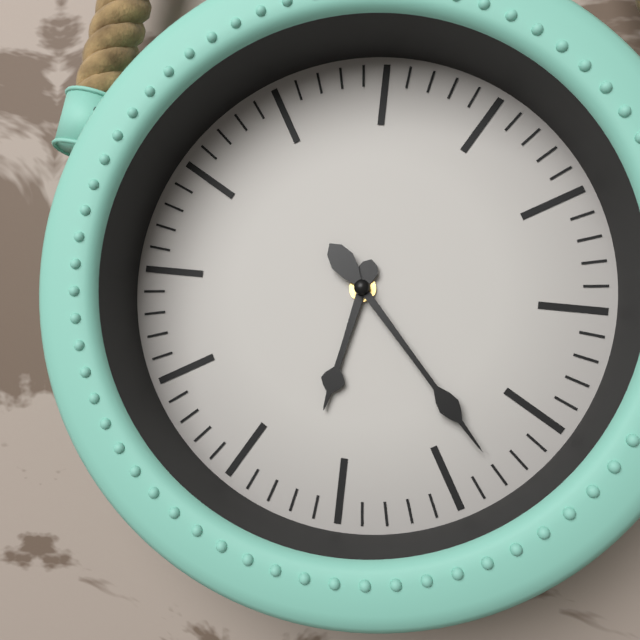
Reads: 6:23
